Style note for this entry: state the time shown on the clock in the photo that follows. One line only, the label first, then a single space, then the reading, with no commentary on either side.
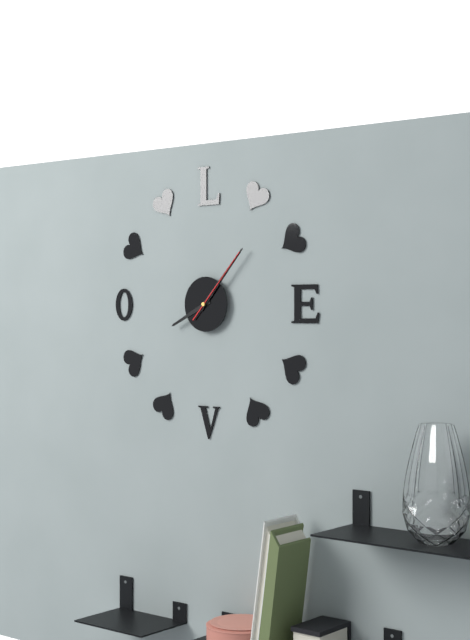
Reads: 8:07:07
